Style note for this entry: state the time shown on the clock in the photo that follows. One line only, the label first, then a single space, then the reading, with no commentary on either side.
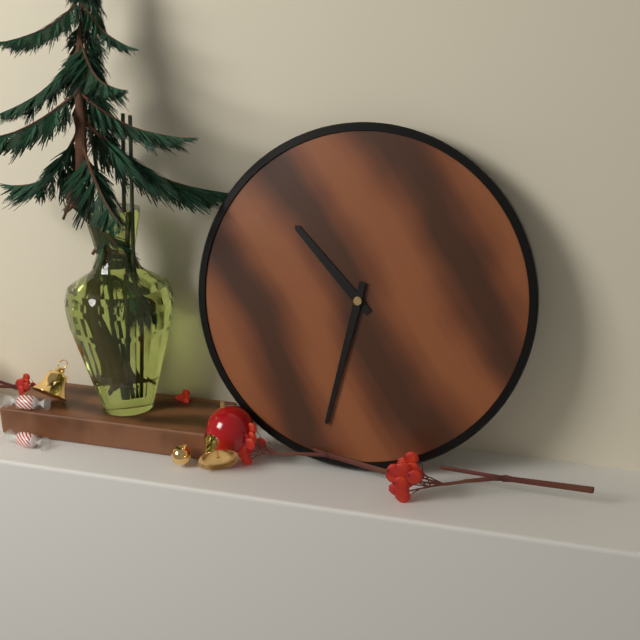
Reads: 10:32
